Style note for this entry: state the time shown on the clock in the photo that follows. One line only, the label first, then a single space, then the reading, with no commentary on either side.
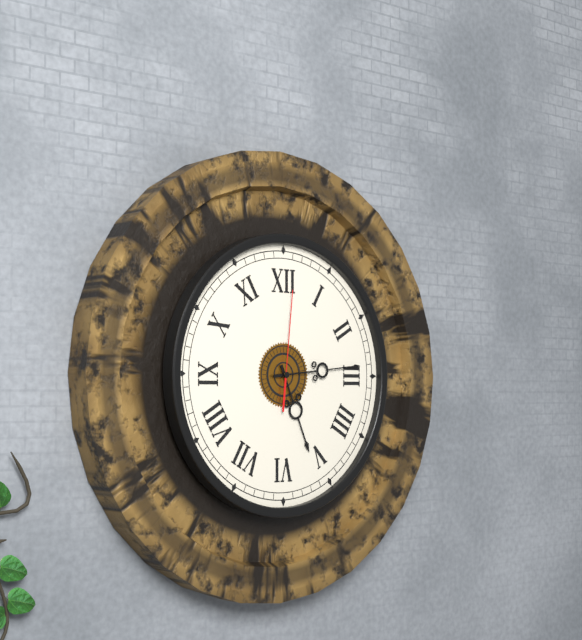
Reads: 5:14:01
